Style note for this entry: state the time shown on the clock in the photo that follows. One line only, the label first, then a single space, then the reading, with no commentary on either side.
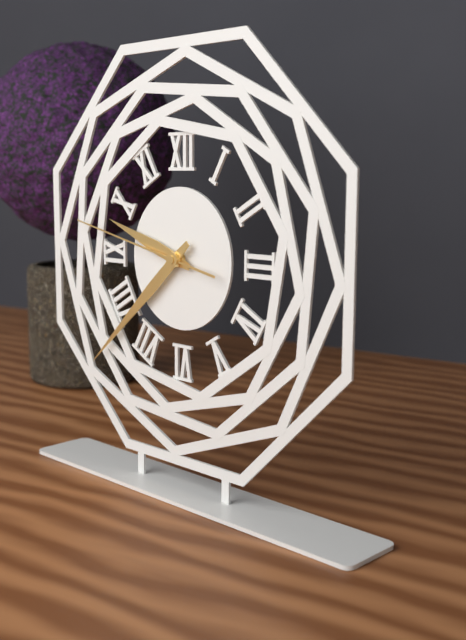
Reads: 9:38:47
